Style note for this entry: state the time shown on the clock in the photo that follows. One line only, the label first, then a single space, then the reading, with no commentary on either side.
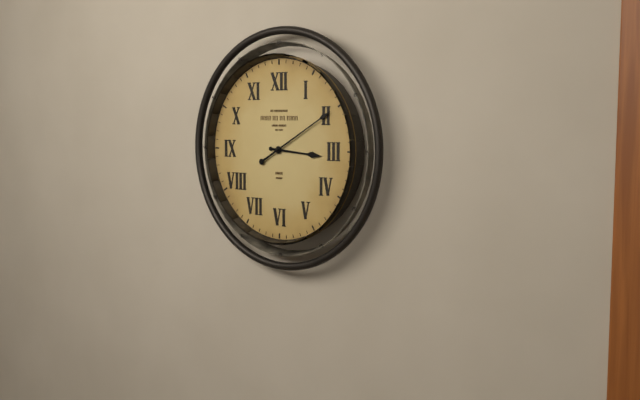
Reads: 3:10
